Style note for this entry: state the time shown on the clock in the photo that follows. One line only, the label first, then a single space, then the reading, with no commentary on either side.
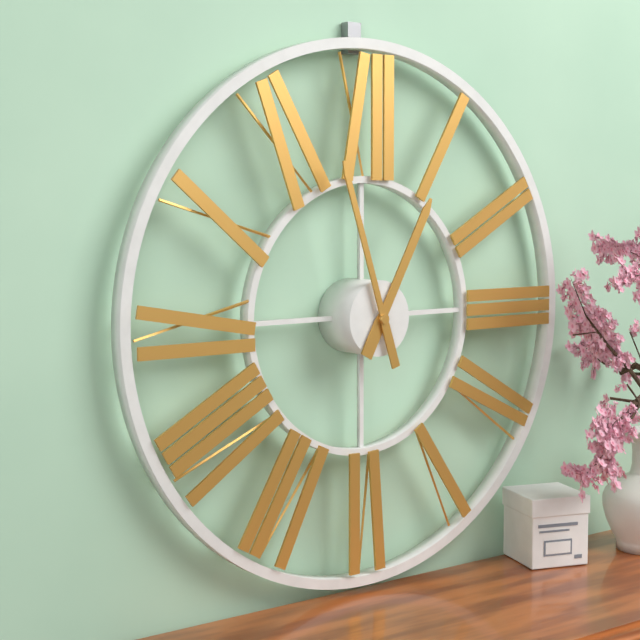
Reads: 12:57
